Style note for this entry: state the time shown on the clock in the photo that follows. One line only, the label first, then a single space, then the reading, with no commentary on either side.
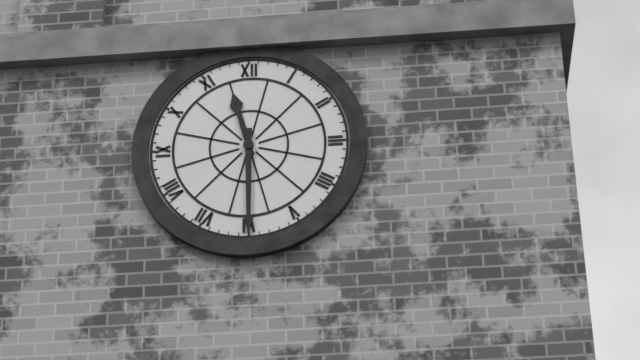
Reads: 11:30
